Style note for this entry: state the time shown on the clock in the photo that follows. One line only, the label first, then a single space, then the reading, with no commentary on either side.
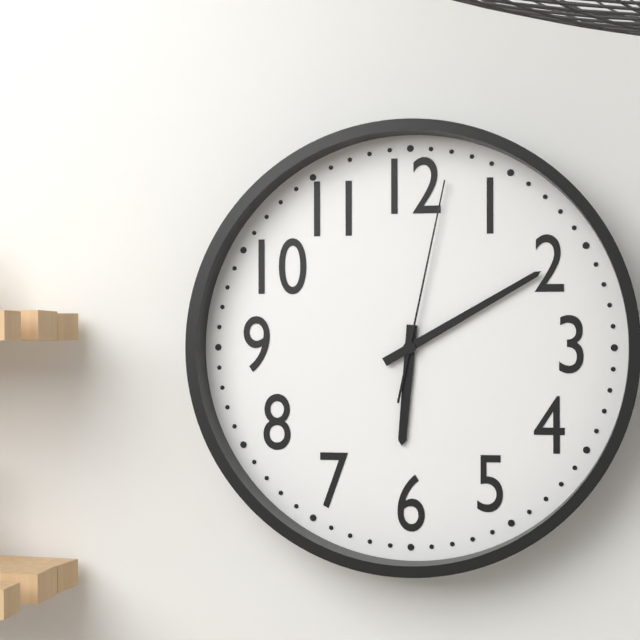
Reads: 6:10:02
